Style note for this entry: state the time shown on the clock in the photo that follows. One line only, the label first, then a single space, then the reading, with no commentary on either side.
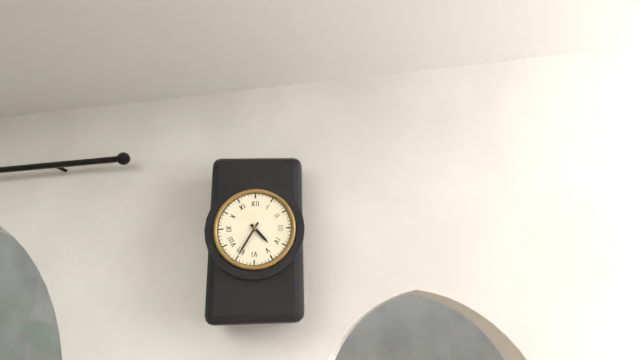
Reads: 4:35
